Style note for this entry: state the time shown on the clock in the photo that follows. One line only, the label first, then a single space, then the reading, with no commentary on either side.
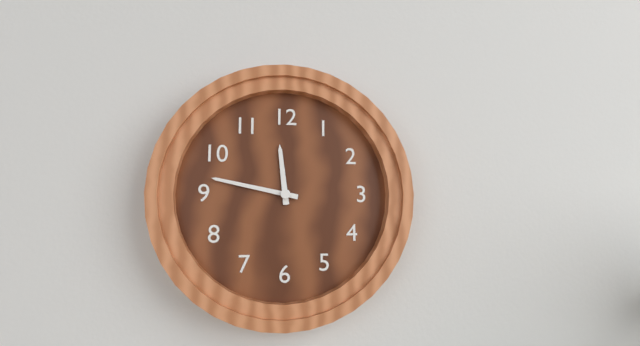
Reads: 11:47
